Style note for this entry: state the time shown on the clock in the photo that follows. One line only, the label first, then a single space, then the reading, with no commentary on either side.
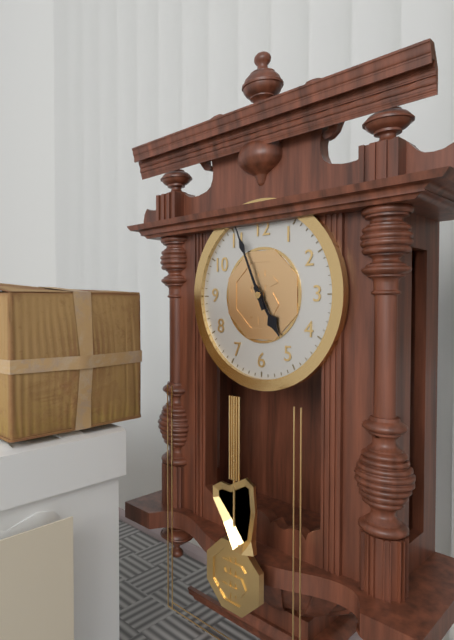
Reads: 4:56
